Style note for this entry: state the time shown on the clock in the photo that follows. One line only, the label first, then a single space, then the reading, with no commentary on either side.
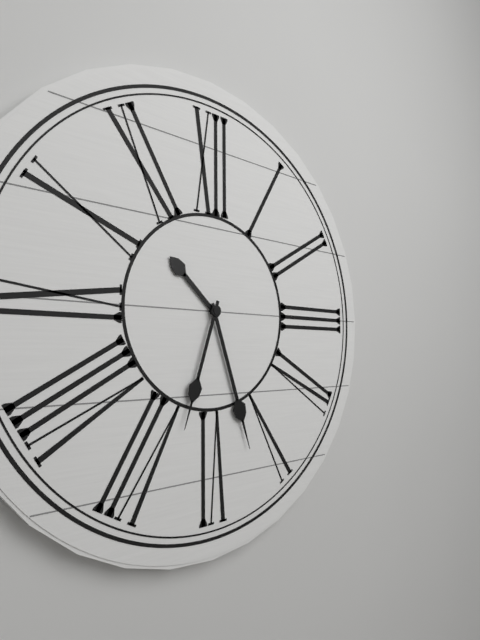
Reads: 10:27:33
